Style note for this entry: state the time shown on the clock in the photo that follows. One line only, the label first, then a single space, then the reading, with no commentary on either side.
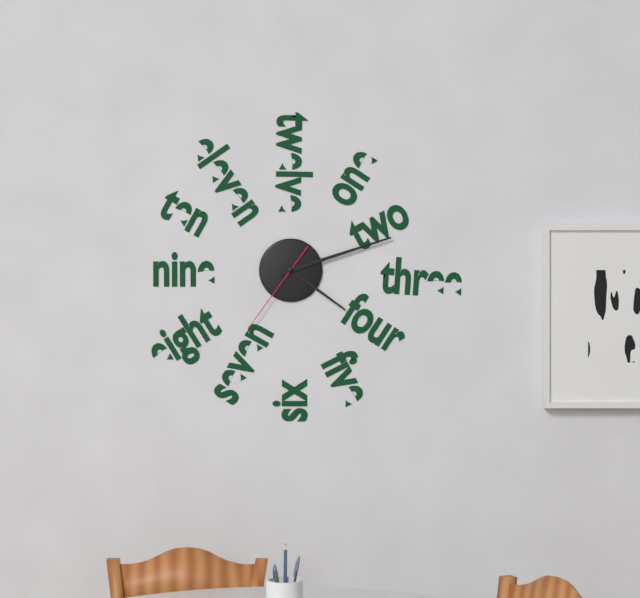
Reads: 4:12:36
